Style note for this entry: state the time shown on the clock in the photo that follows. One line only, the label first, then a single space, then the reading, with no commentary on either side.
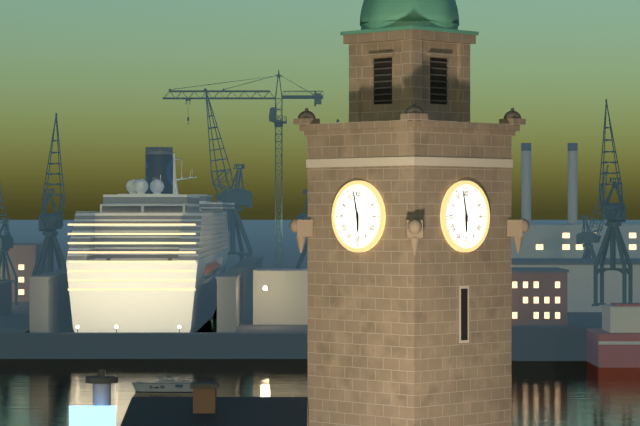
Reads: 5:58
